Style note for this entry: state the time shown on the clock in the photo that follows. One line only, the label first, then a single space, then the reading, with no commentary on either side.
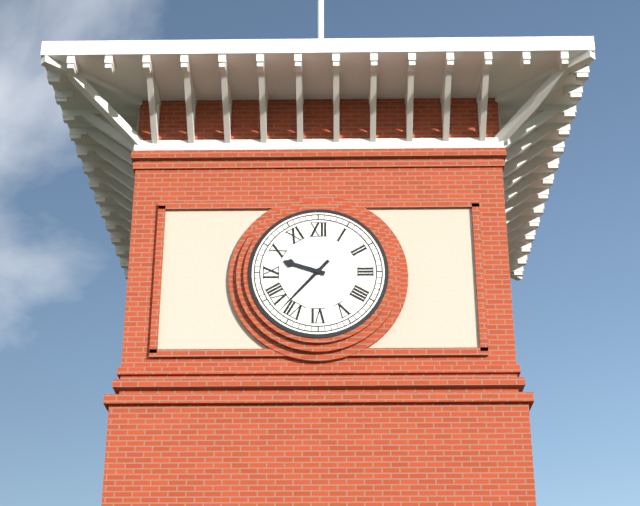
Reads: 9:37
